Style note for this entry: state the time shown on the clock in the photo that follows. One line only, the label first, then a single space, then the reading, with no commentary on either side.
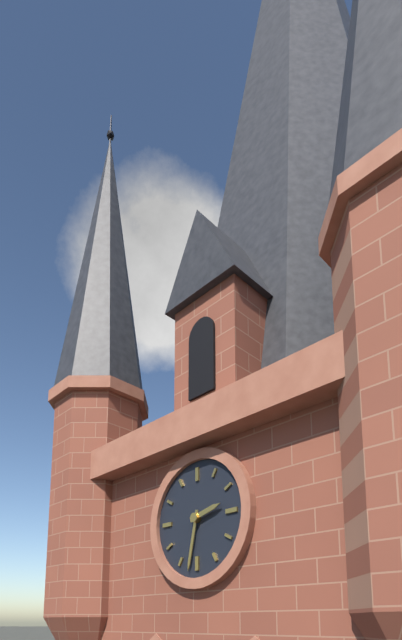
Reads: 2:32
